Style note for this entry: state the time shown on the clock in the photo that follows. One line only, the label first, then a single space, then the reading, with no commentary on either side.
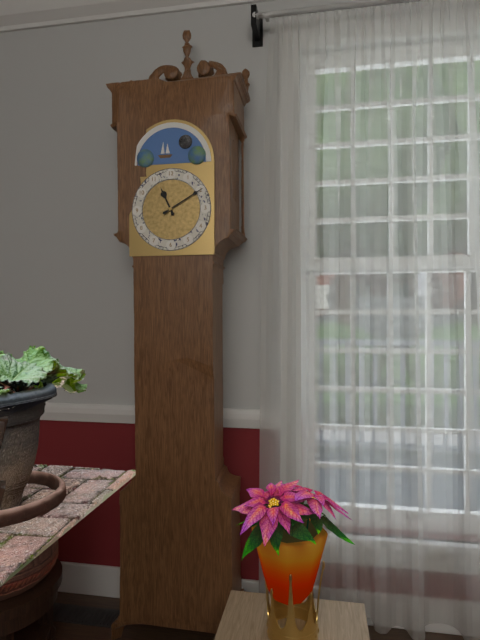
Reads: 11:10
